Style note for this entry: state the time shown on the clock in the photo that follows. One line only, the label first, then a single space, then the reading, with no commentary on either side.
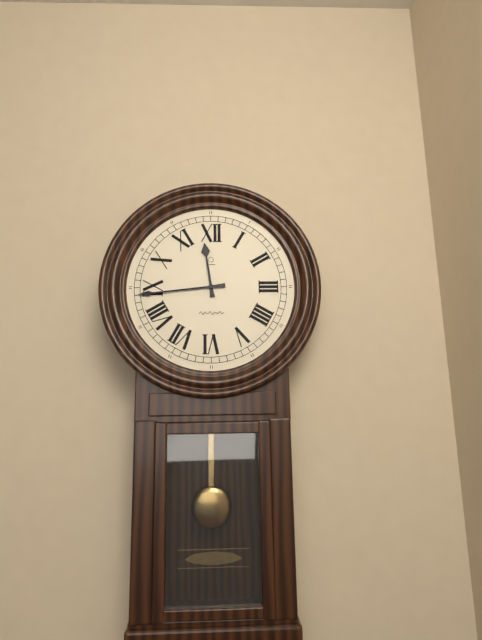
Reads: 11:44
